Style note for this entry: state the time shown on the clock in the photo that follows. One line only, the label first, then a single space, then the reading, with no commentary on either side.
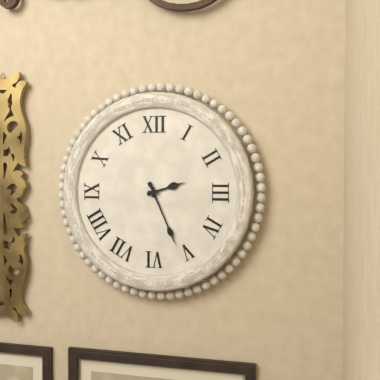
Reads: 2:26
